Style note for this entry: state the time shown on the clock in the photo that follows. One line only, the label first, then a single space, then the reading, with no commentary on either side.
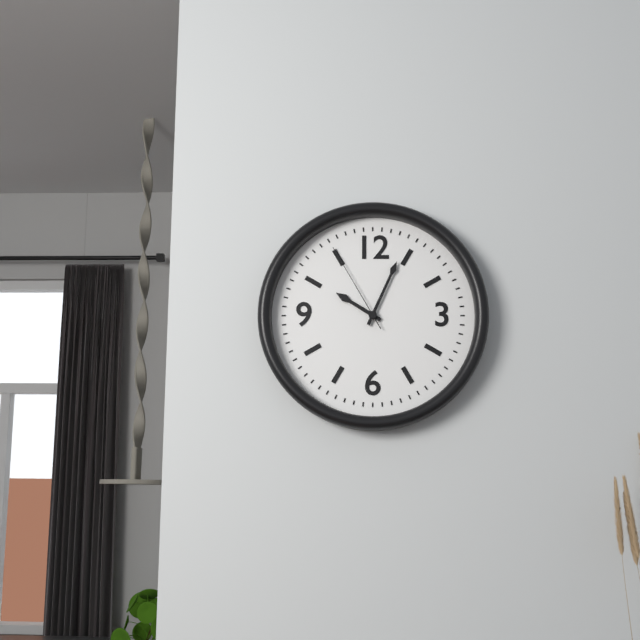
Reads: 10:04:55
